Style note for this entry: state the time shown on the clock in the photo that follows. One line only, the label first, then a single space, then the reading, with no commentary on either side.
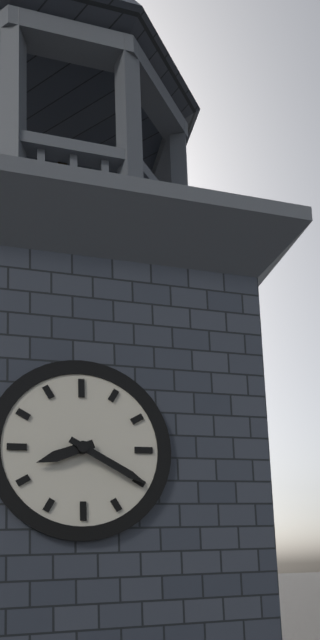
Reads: 8:20
